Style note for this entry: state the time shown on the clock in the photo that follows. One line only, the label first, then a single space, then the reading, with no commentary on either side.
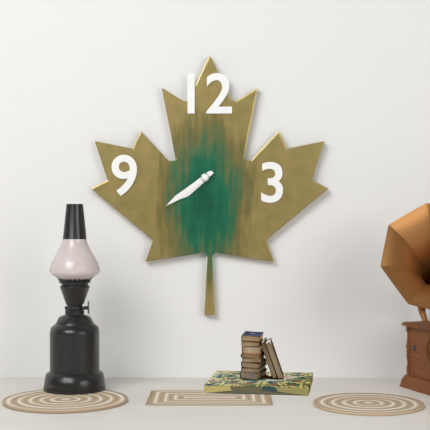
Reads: 7:39
